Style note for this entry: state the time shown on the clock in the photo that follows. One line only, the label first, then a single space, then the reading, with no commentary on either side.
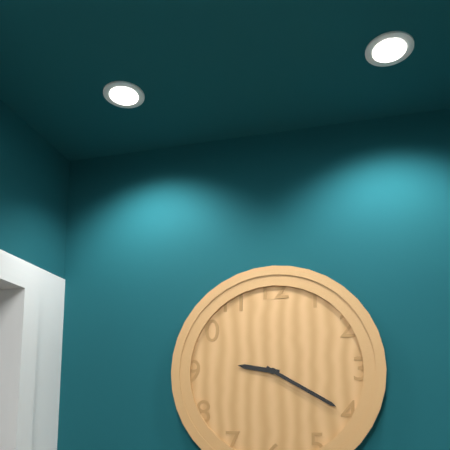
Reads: 9:20
